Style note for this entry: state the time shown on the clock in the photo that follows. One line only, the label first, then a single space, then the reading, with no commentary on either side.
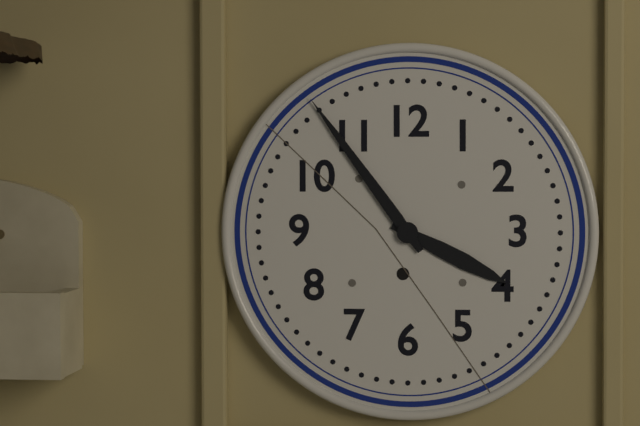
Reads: 3:54
